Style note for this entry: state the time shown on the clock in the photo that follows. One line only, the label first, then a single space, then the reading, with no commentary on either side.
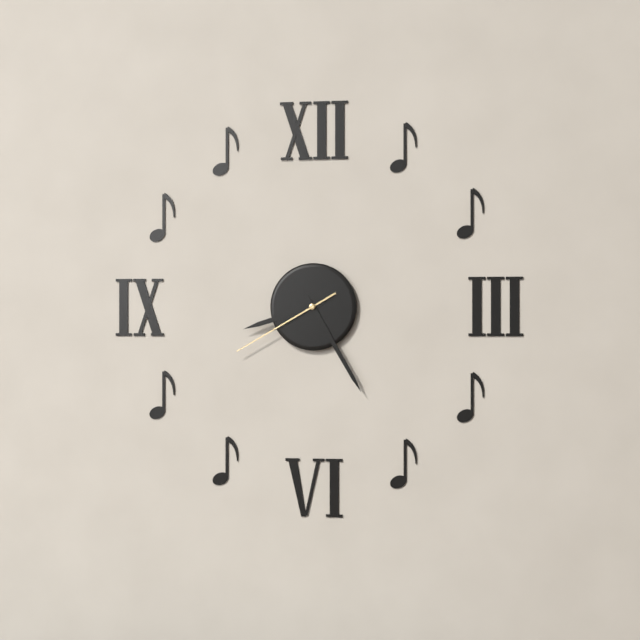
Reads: 8:25:40
